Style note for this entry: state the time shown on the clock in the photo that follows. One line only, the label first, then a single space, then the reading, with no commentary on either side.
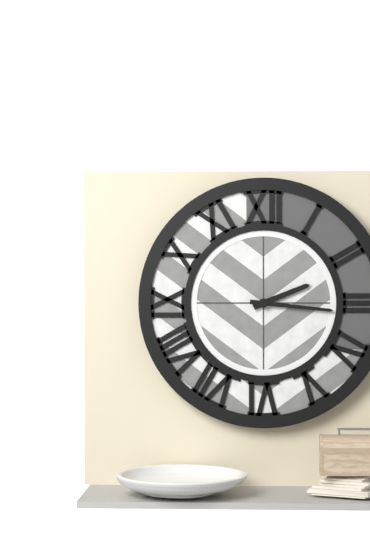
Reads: 2:16
